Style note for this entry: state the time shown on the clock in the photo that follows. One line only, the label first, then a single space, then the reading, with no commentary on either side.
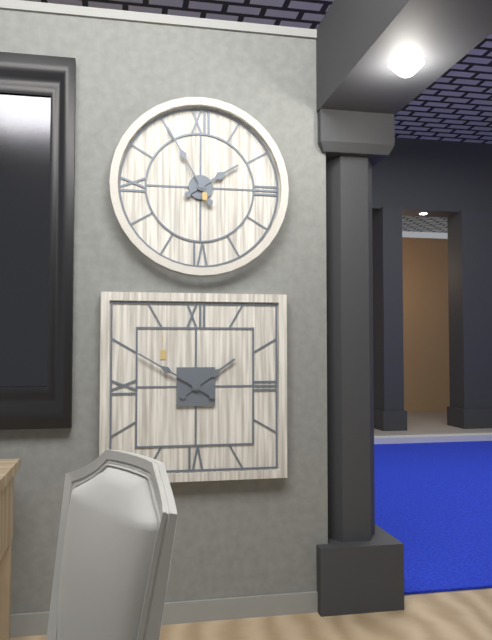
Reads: 1:55
